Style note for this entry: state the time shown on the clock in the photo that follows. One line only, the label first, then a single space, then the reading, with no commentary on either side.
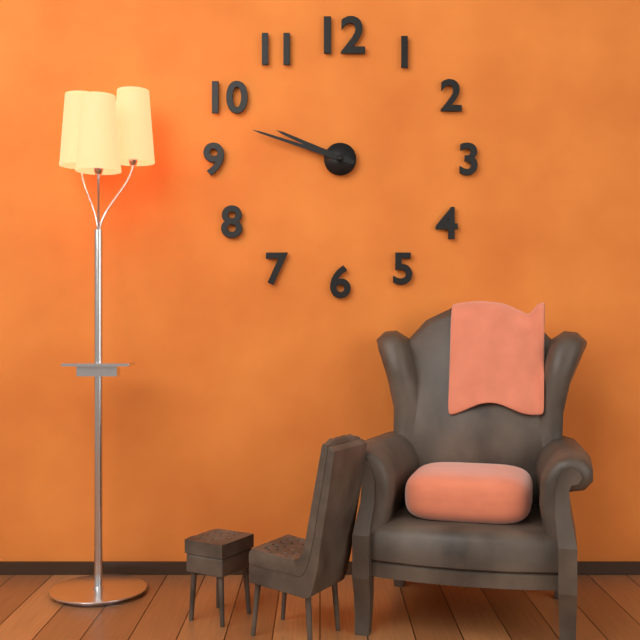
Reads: 9:48
